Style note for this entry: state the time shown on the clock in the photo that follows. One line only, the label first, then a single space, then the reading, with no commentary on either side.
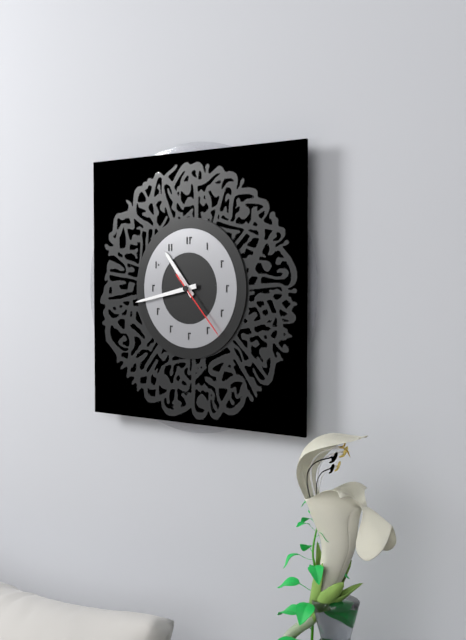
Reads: 10:43:23
